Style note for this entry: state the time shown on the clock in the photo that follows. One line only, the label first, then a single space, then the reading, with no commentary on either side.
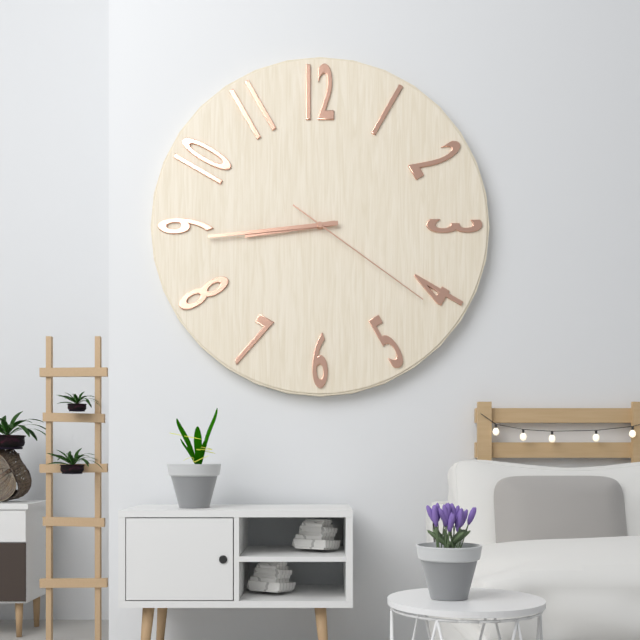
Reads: 8:44:21
